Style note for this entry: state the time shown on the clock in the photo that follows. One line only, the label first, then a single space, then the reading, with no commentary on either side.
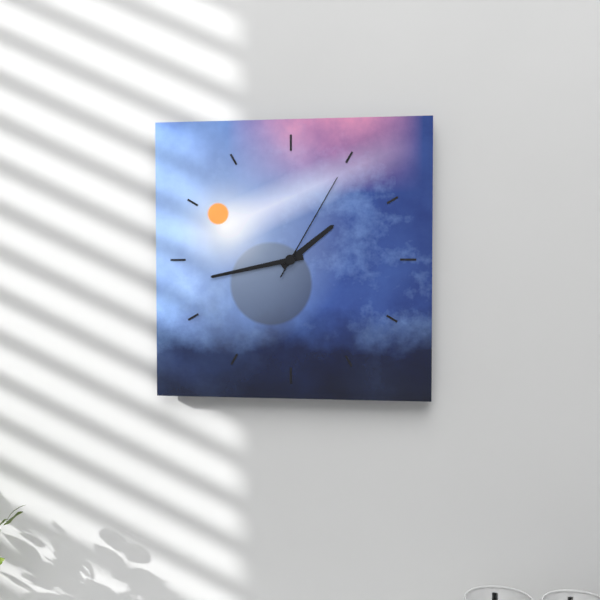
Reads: 1:43:05
